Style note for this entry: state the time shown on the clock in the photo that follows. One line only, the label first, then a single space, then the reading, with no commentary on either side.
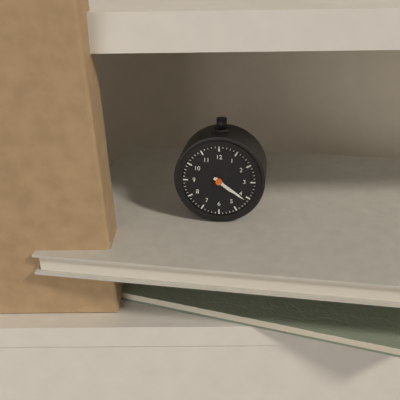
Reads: 4:21
